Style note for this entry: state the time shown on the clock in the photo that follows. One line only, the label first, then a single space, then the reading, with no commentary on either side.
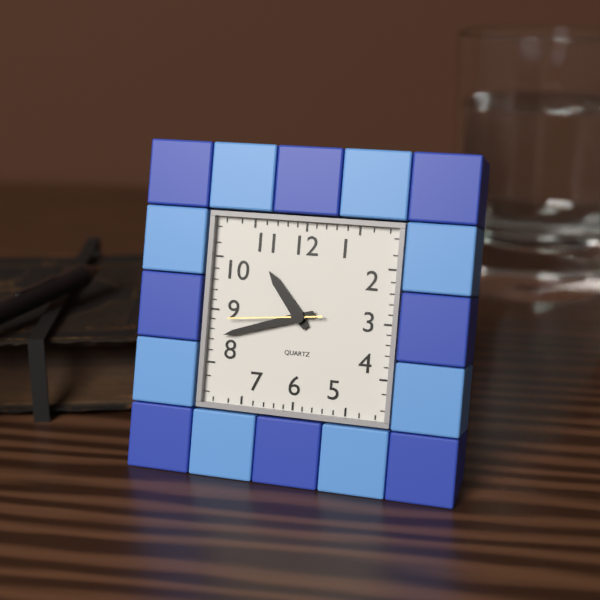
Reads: 10:42:44
